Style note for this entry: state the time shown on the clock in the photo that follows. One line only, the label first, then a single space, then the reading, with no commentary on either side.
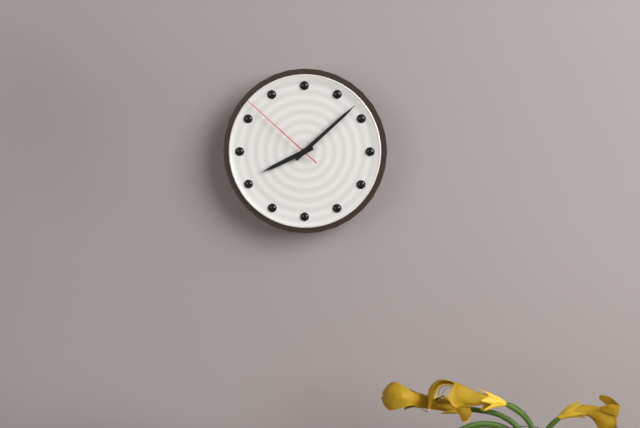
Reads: 8:08:52
